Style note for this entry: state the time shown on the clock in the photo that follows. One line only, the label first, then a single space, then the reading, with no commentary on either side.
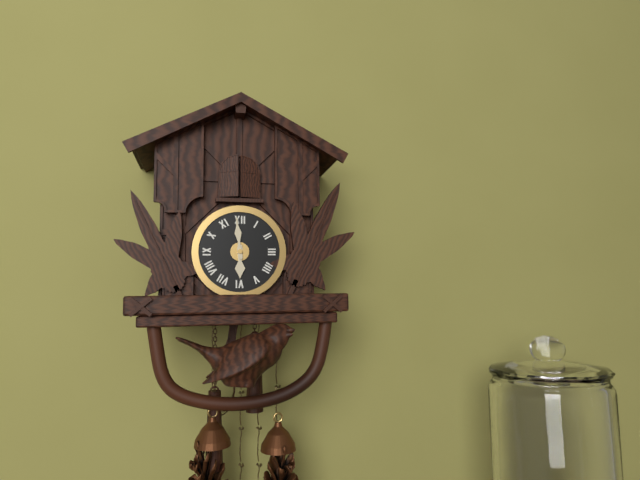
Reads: 5:59
